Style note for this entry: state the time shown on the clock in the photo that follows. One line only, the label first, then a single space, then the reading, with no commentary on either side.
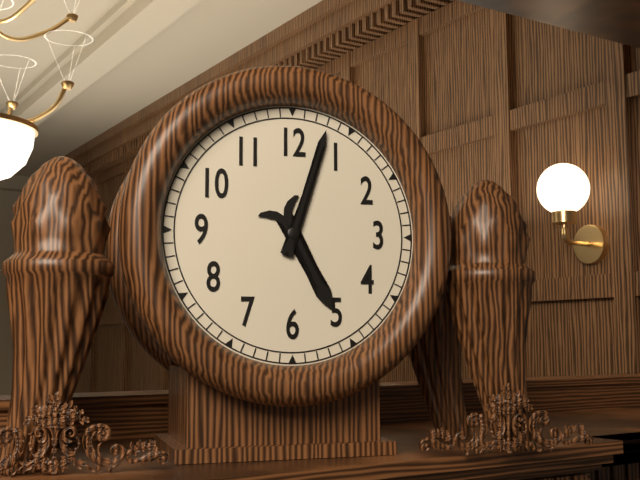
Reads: 5:03
